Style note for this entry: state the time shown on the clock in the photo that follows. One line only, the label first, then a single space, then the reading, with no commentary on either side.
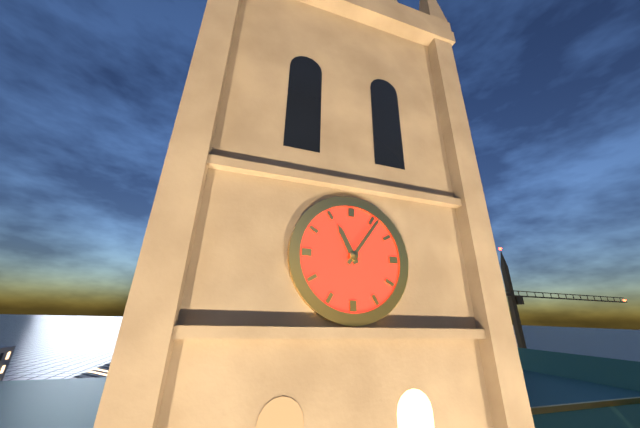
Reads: 11:06
